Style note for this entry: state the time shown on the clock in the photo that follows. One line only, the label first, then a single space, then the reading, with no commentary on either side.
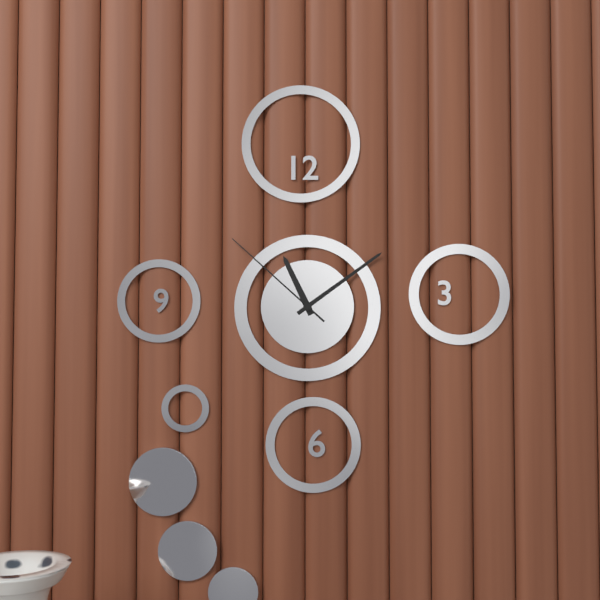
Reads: 11:09:52
